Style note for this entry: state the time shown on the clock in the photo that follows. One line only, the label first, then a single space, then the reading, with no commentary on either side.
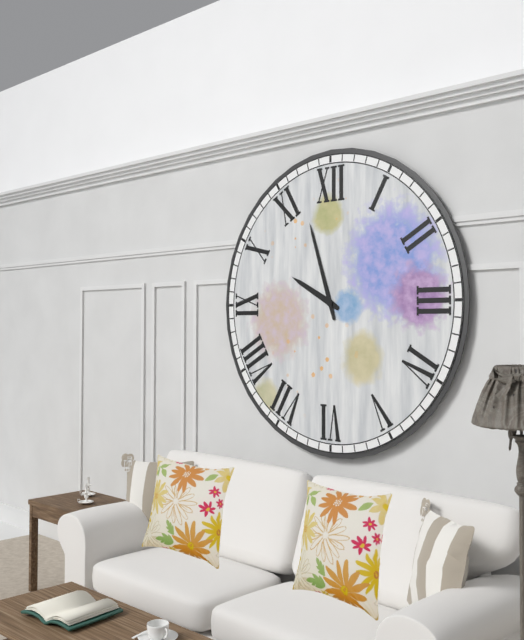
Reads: 9:57
